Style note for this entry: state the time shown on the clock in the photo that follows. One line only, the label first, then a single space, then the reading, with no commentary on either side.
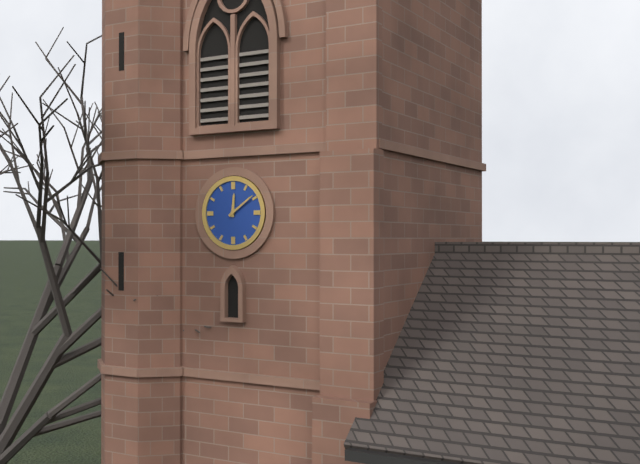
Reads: 12:09
